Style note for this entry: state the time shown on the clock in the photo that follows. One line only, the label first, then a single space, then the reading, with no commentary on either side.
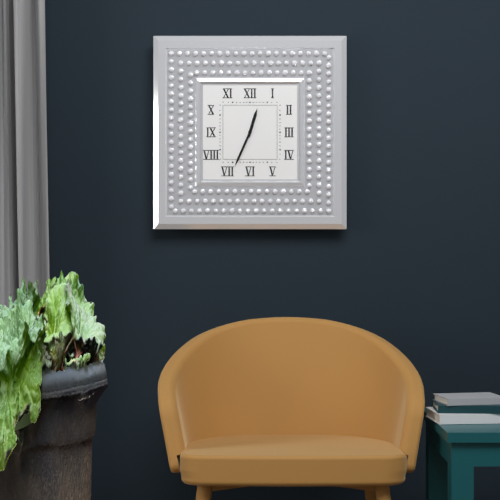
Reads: 12:34
